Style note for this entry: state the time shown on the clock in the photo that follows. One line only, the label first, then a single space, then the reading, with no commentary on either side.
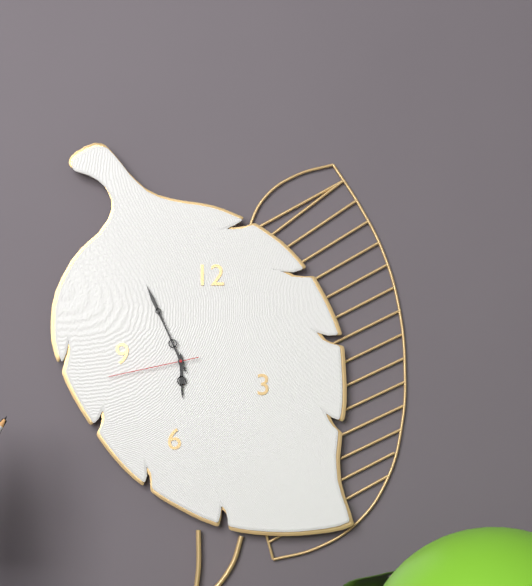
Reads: 5:56:43
